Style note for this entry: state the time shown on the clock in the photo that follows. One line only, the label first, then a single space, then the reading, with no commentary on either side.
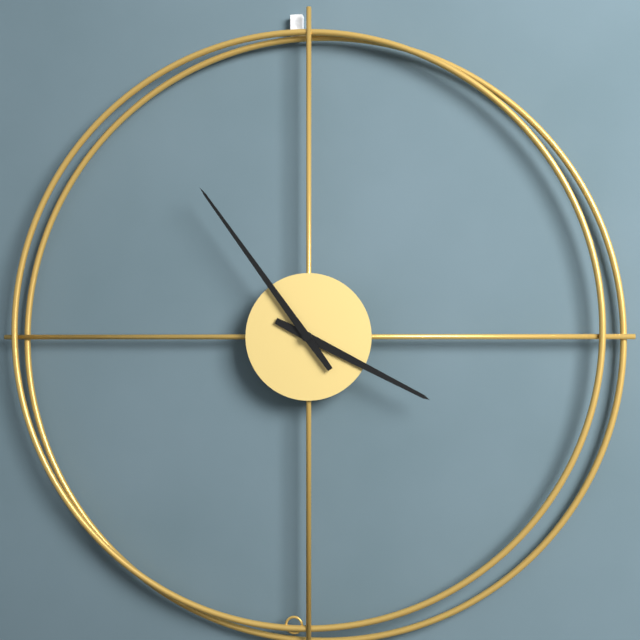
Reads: 3:54
